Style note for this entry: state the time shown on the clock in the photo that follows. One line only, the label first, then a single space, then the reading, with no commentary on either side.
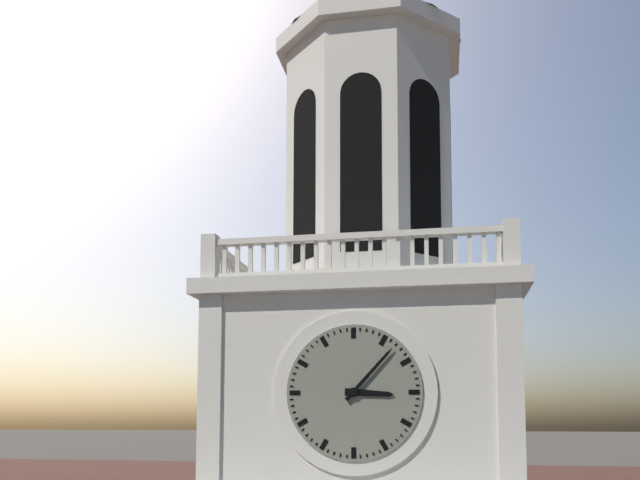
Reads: 3:07
